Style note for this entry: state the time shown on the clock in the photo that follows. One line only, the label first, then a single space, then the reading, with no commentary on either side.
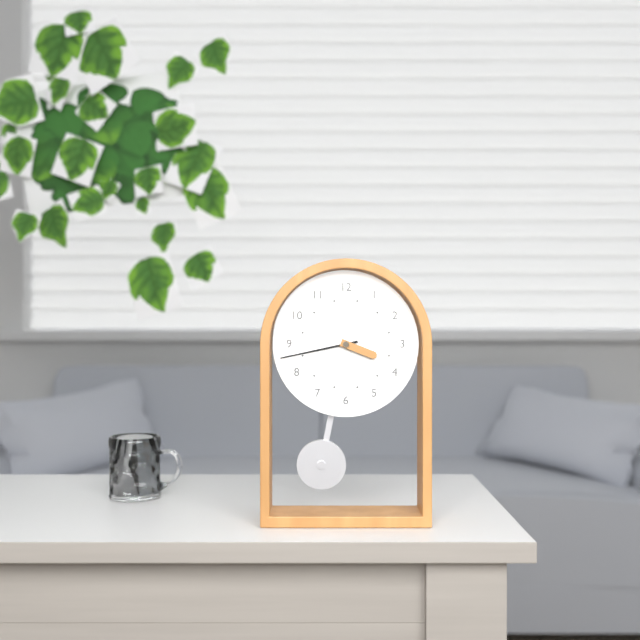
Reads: 3:43
